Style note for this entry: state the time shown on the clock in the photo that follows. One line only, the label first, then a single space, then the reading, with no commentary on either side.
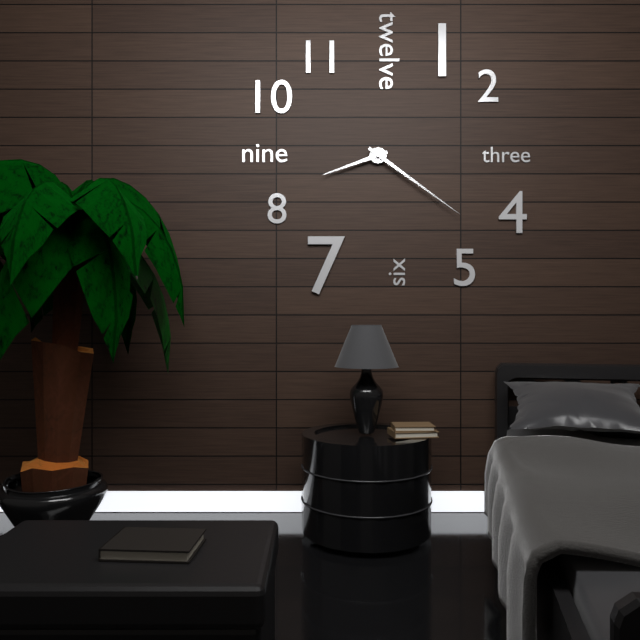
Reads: 8:21
